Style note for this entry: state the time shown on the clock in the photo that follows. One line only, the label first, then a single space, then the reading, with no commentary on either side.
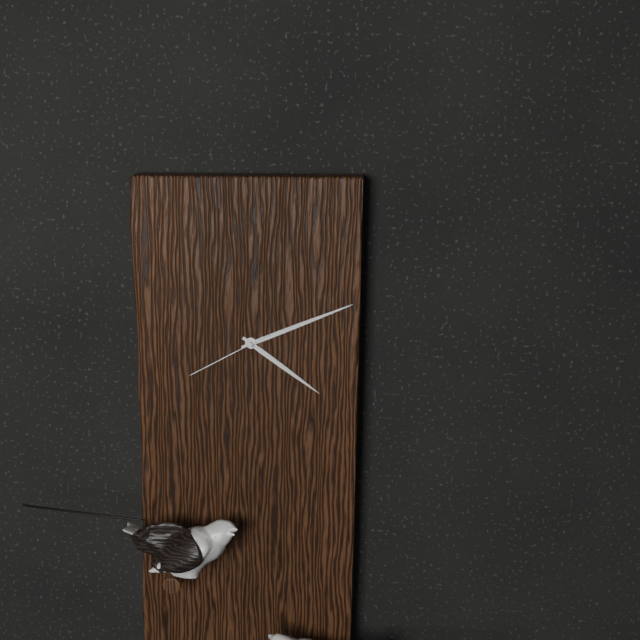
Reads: 4:11:40
